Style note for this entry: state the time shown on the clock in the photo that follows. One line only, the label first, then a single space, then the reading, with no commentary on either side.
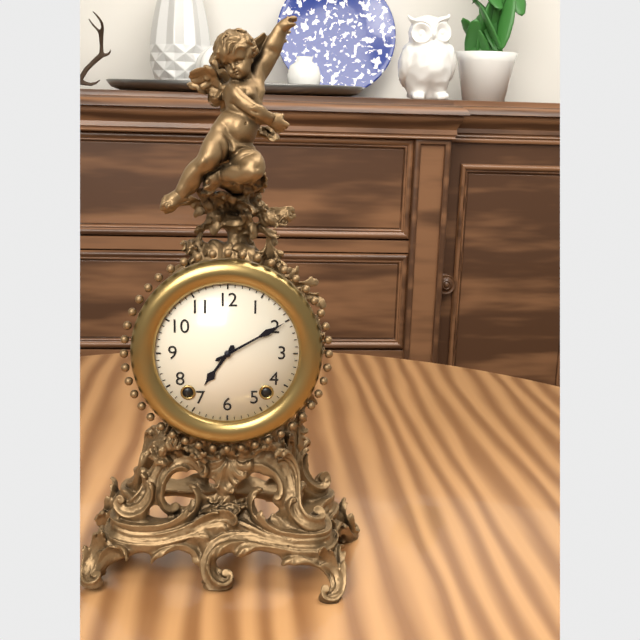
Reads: 7:10
